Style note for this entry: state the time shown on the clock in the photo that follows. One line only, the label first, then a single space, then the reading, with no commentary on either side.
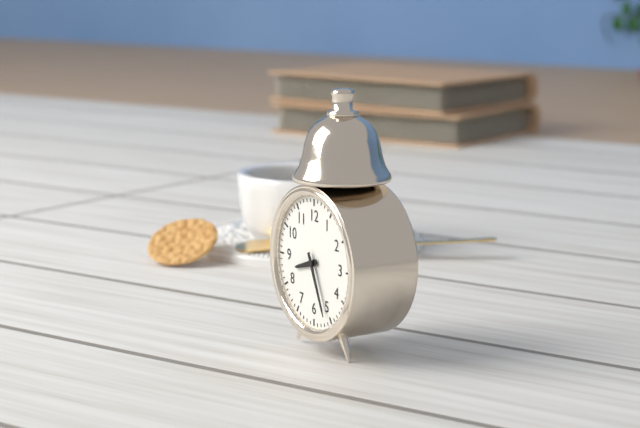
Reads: 8:26
